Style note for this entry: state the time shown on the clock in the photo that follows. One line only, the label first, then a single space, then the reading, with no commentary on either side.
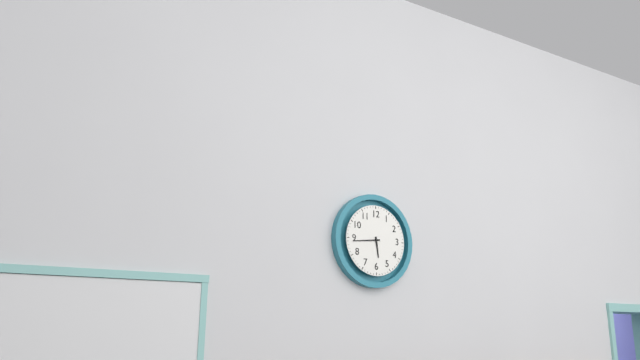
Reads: 5:44
